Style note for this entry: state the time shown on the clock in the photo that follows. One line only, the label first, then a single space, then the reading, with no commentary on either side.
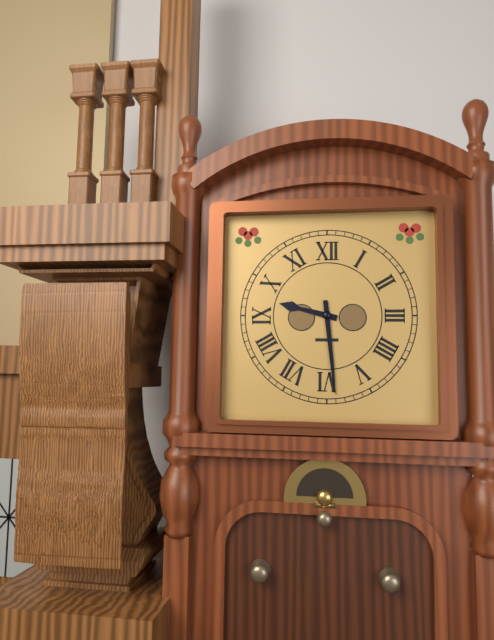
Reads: 9:29
